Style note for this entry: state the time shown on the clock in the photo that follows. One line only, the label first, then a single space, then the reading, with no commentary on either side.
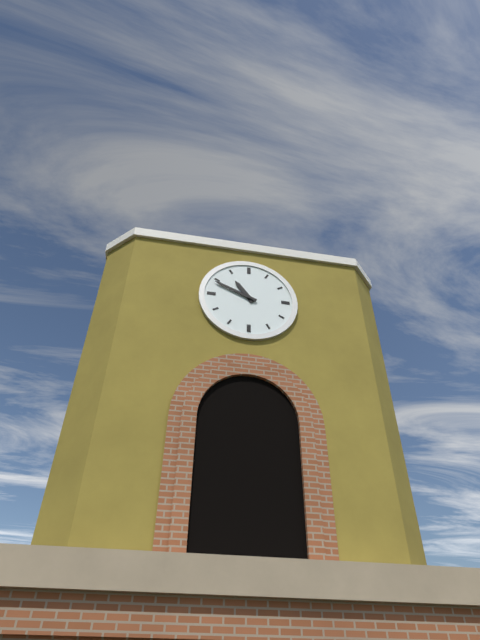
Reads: 10:49
